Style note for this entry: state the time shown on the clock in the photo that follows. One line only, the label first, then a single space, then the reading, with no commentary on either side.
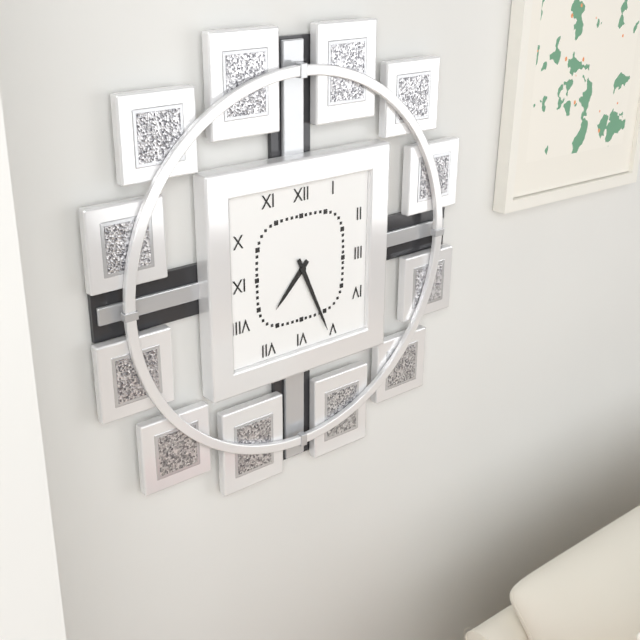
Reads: 7:26
